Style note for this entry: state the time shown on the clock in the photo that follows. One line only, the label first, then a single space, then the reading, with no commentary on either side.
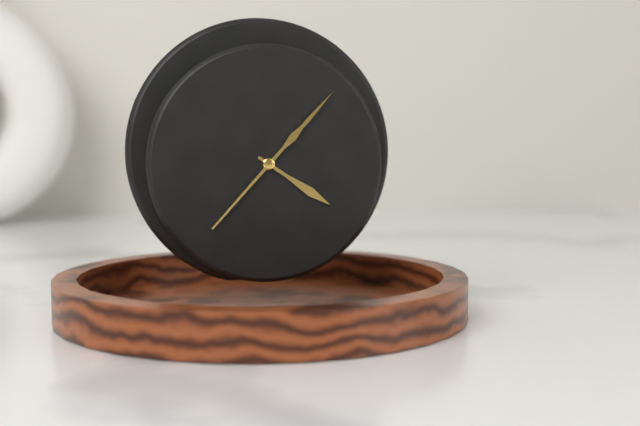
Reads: 4:07
